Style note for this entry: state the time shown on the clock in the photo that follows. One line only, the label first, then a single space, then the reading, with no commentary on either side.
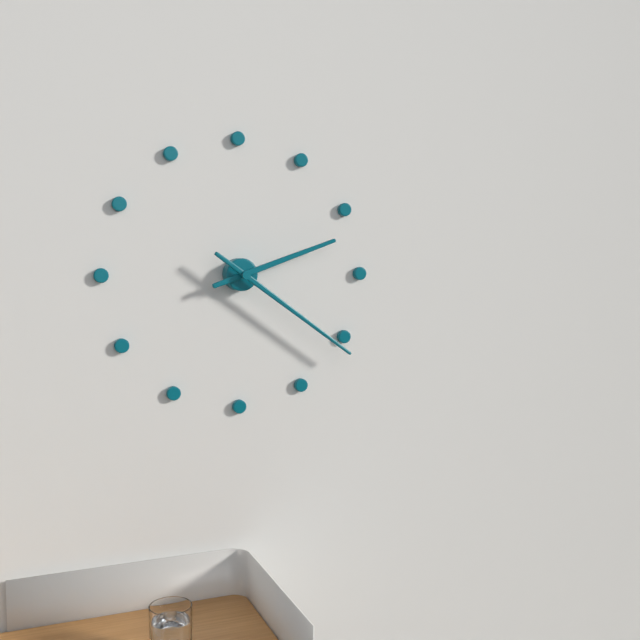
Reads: 2:21
